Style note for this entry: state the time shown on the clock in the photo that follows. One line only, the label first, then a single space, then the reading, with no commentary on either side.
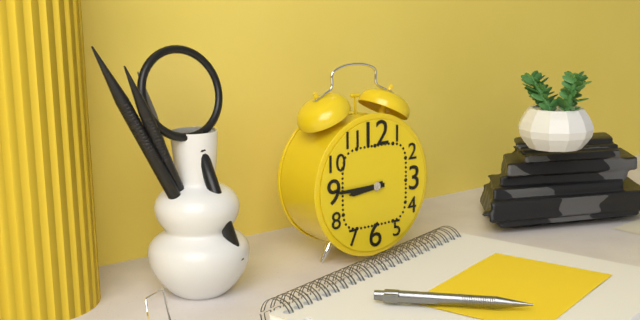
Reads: 8:45
